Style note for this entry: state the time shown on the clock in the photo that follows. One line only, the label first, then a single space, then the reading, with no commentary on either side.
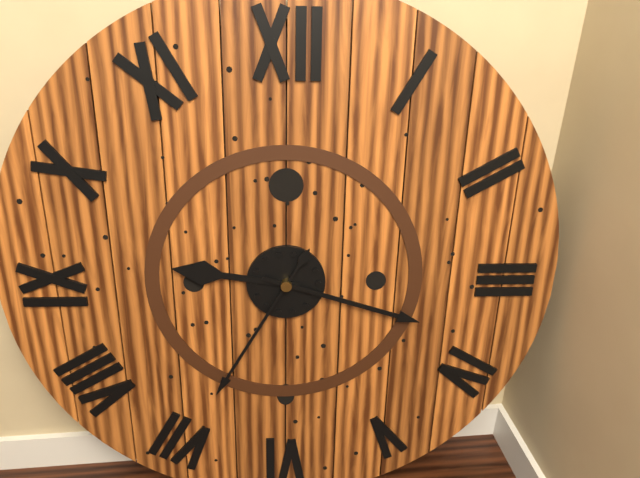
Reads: 9:18:35
